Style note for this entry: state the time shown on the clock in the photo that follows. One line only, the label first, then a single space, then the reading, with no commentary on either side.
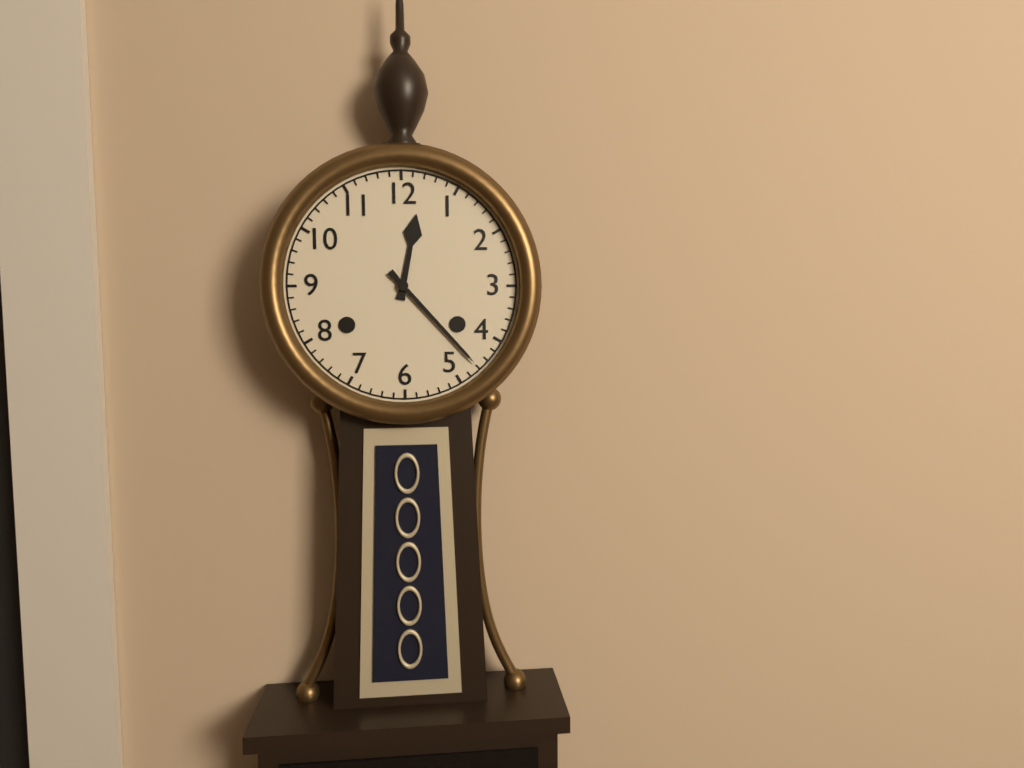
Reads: 12:23
